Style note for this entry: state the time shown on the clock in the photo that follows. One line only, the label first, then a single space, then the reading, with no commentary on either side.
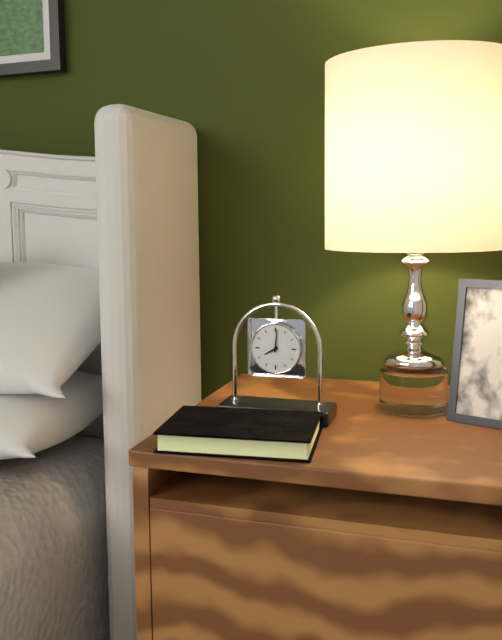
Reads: 8:01
